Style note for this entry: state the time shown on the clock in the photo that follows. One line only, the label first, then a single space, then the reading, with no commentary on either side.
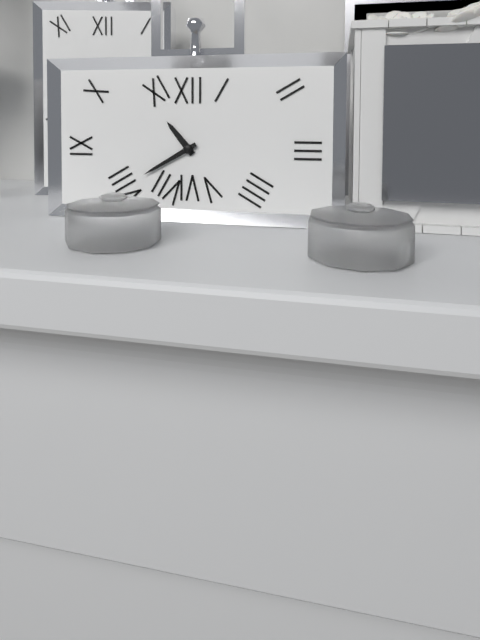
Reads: 10:40
